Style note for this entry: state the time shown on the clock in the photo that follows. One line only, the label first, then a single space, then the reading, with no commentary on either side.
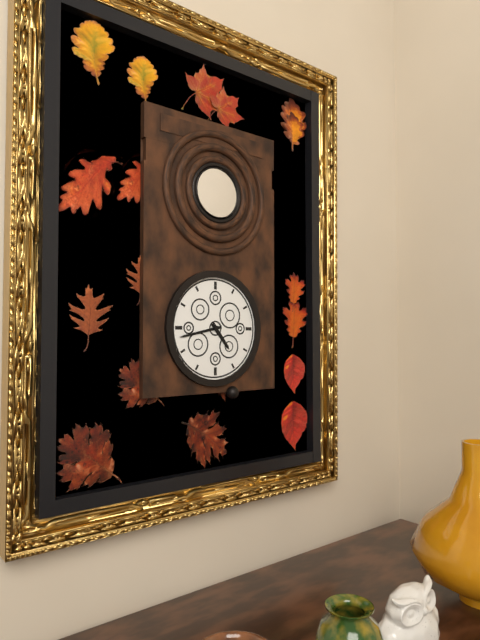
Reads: 4:43
